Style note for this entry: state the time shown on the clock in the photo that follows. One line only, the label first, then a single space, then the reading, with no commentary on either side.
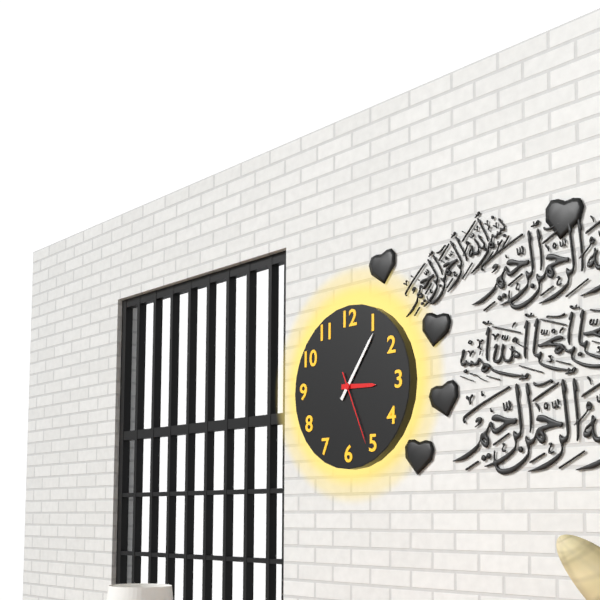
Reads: 3:06:26
